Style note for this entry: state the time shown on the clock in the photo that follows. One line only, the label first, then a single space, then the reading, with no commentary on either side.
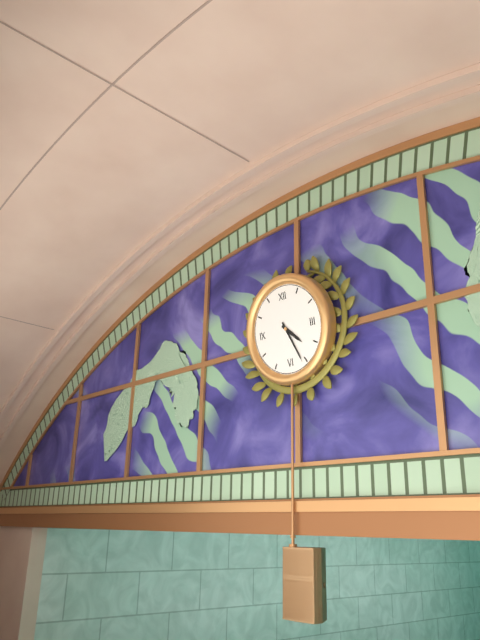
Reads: 4:26
